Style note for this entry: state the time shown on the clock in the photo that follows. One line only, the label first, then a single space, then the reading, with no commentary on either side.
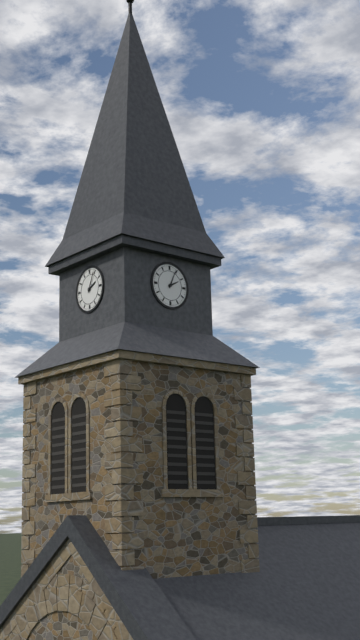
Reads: 2:04
